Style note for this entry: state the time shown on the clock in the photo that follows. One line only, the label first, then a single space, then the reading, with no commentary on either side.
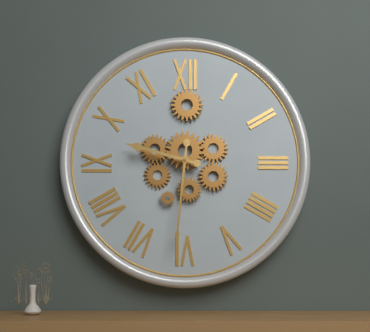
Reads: 9:31
